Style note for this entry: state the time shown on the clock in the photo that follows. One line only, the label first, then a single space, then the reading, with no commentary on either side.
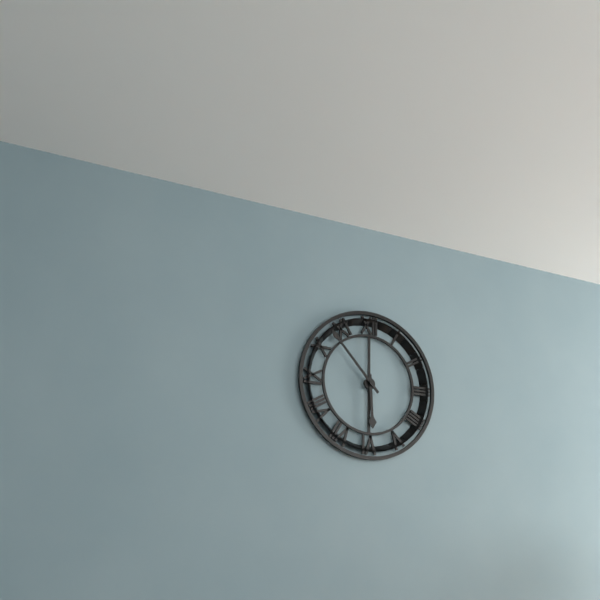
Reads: 5:53
